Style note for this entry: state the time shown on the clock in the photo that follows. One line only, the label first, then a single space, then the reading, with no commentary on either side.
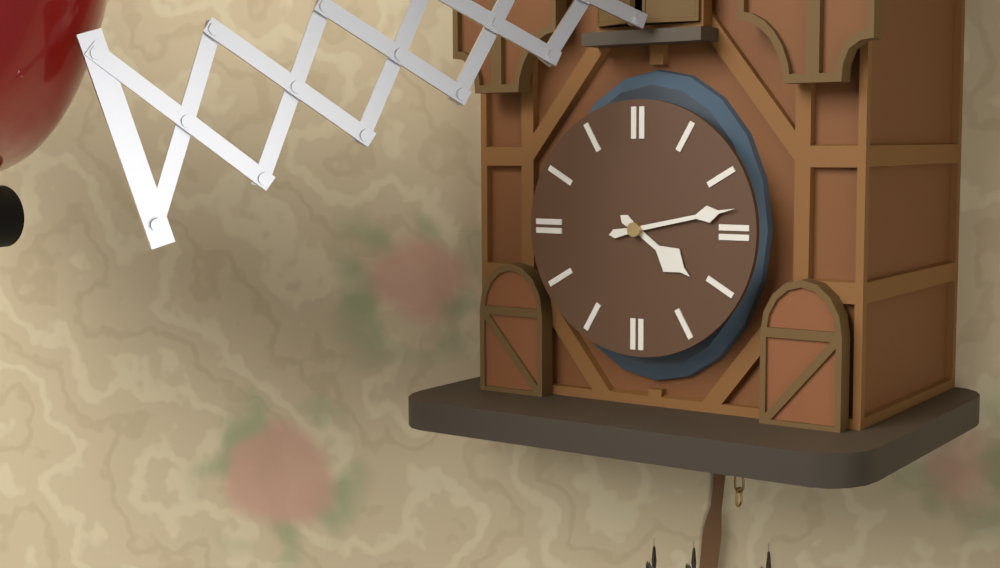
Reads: 4:13
